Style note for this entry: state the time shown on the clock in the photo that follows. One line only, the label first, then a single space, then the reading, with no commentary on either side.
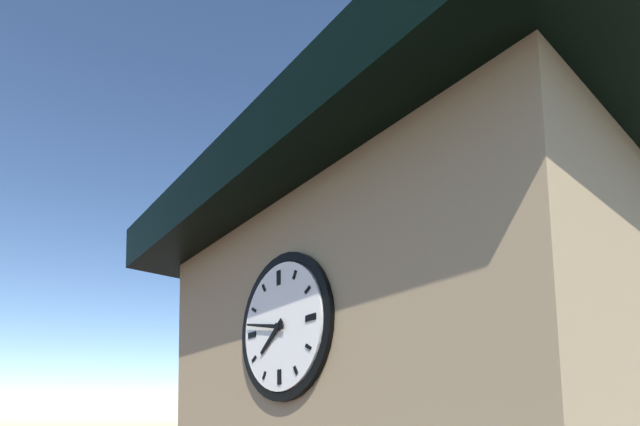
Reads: 7:47
